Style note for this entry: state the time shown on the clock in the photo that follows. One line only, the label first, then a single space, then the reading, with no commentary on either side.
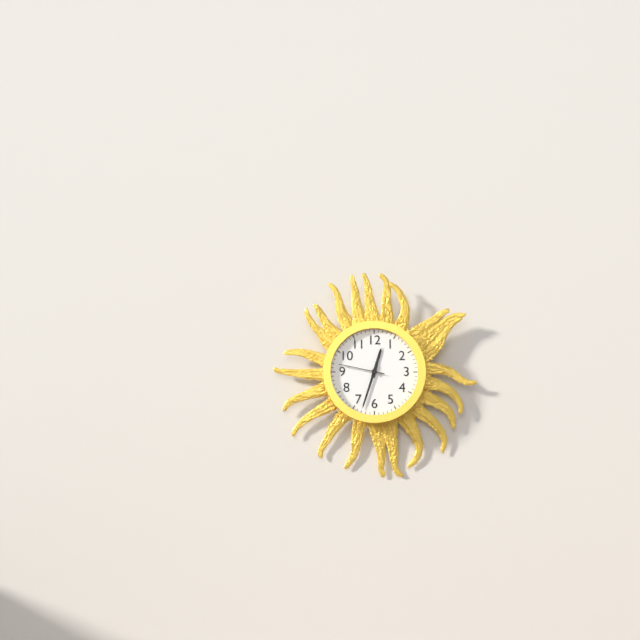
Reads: 12:33
